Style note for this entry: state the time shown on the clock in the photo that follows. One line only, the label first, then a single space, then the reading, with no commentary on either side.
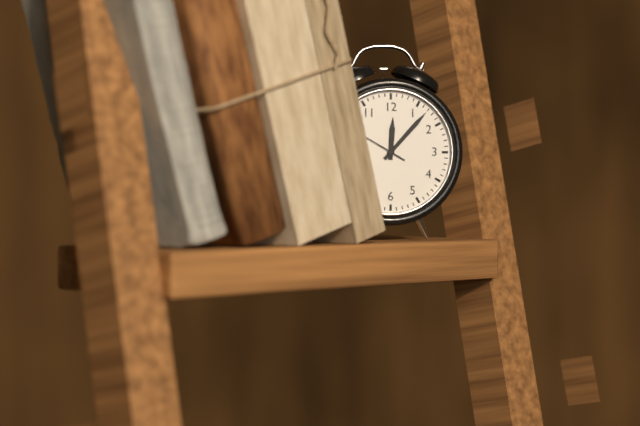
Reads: 12:07
